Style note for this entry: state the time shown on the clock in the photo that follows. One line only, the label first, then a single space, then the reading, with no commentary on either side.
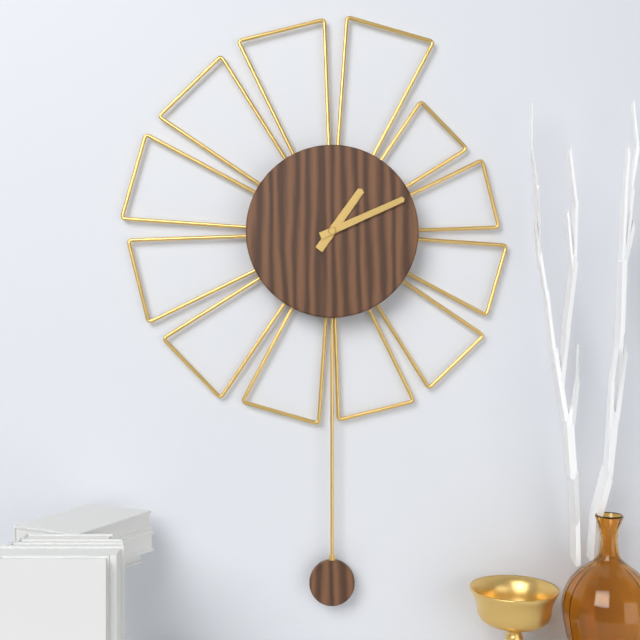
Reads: 1:11
